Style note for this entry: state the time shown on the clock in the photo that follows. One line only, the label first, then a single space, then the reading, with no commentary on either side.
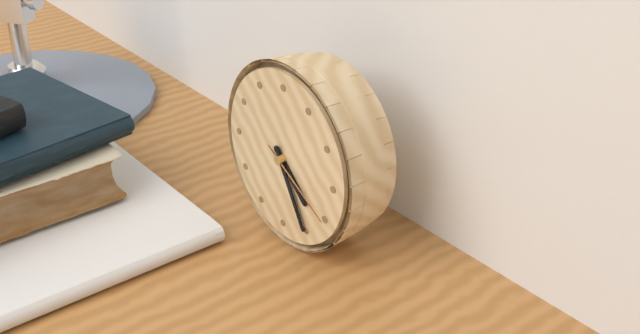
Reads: 4:25:20
